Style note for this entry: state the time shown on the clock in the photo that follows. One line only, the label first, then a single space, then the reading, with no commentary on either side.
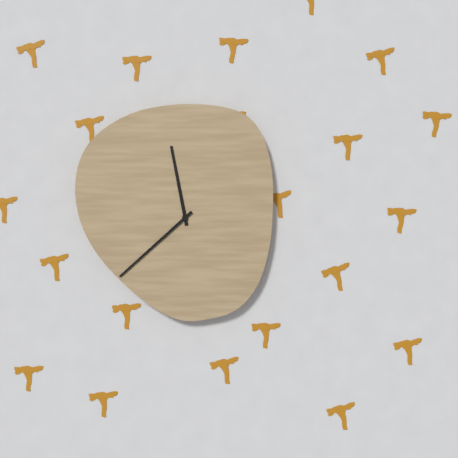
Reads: 11:38
